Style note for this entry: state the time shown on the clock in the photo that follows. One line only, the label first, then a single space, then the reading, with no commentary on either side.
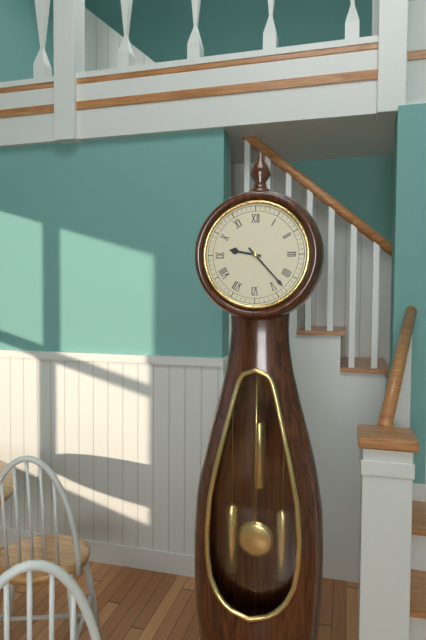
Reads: 9:23
